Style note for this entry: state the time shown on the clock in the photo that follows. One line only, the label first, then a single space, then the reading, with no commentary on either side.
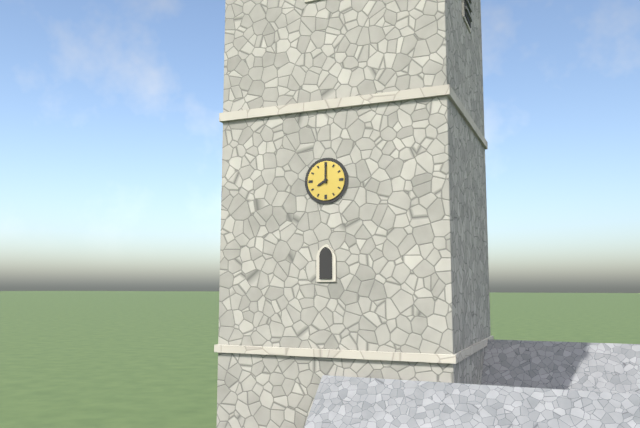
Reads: 8:00
